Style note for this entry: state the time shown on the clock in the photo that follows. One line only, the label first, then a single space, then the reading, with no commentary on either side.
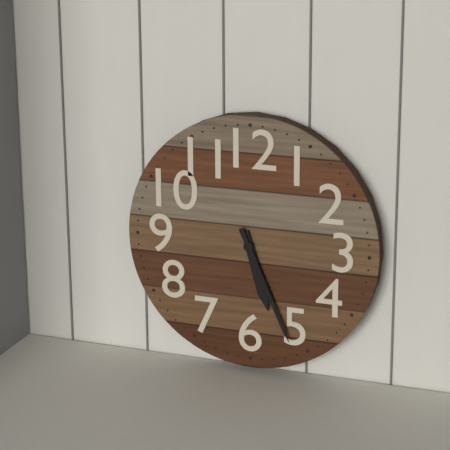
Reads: 5:26
